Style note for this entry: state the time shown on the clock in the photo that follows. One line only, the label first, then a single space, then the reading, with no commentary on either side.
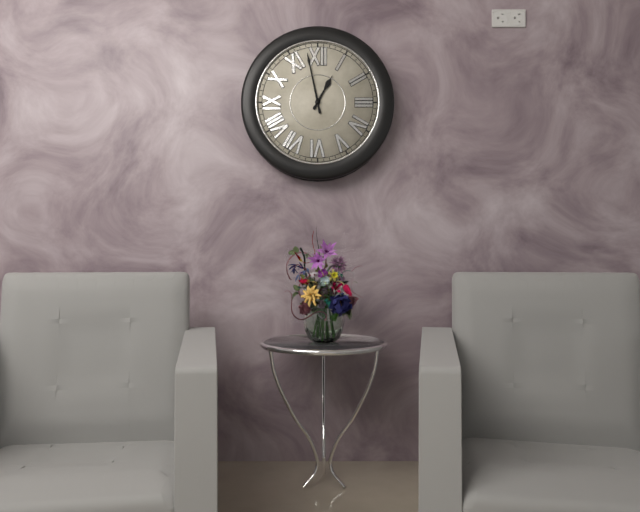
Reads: 12:58
